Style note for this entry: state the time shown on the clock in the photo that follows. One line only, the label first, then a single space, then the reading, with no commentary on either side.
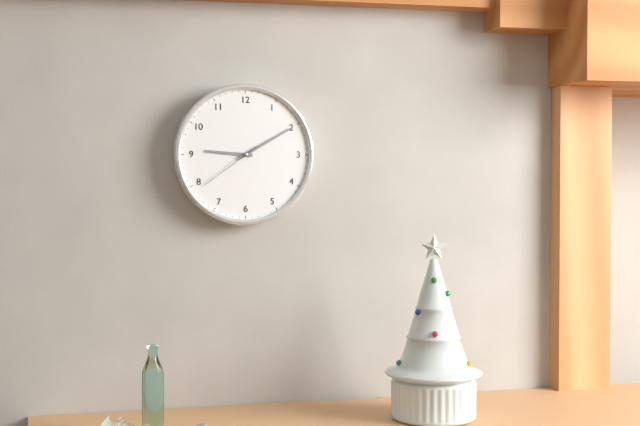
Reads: 9:10:39
